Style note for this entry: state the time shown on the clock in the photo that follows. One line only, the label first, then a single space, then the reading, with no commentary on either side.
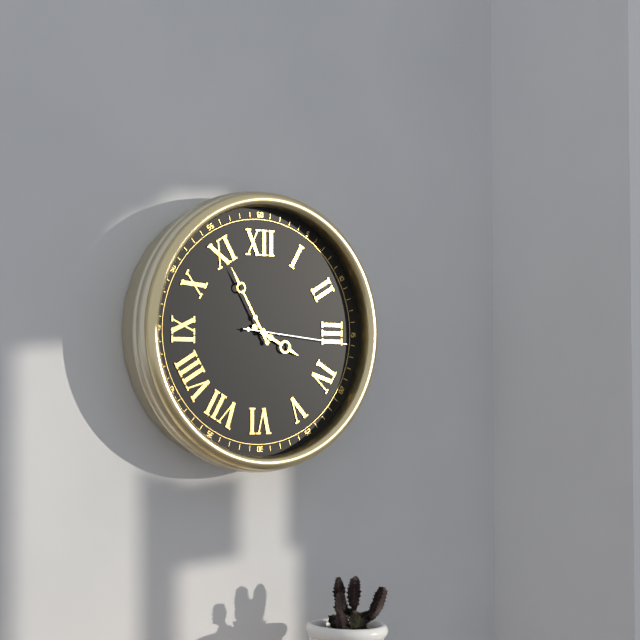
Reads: 3:55:16
